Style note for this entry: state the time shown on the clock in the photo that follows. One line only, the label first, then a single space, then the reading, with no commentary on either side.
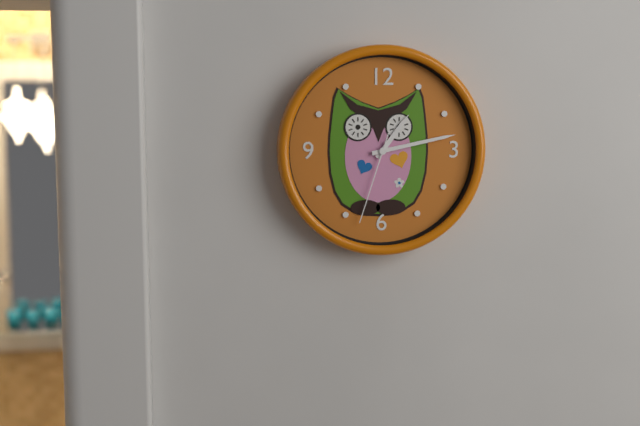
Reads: 1:13:33
